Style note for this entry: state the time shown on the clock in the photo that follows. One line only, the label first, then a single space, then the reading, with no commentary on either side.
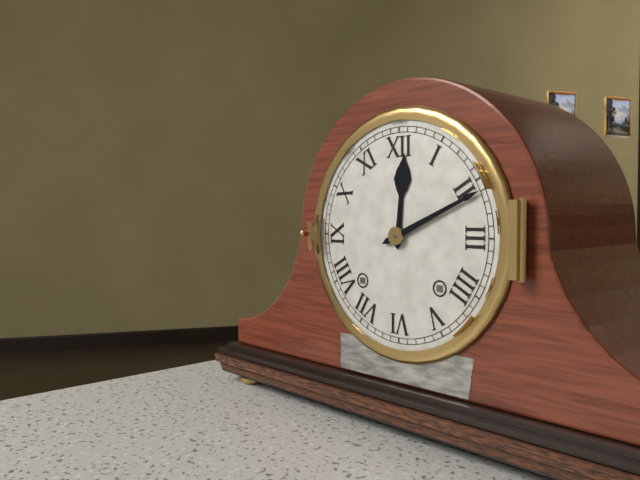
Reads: 12:11
